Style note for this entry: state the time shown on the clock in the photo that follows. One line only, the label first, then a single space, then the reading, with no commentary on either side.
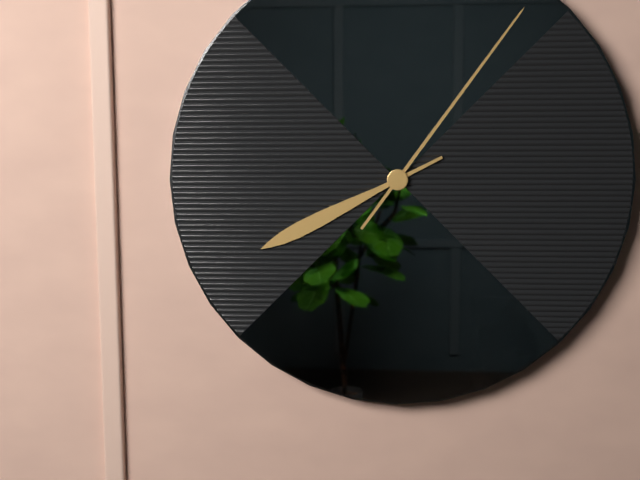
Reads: 8:06
